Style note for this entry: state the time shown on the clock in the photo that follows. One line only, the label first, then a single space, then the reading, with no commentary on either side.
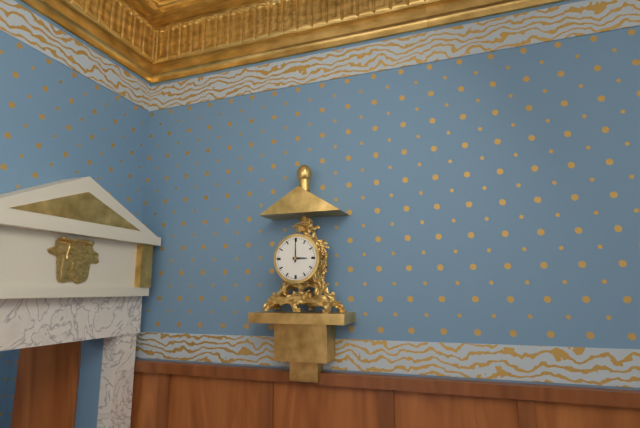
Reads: 3:00
